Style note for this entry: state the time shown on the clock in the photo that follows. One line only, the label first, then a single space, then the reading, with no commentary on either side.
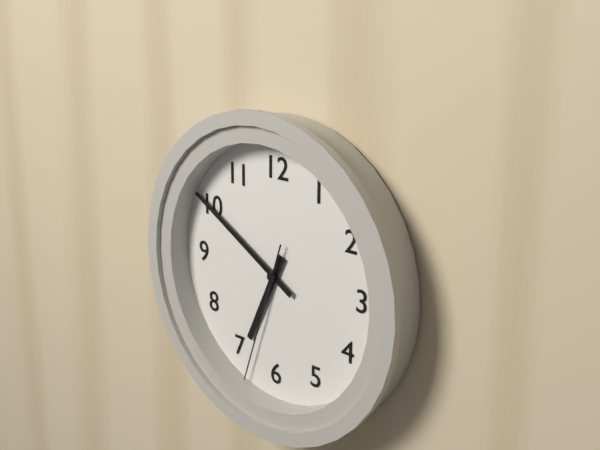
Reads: 6:50:33
